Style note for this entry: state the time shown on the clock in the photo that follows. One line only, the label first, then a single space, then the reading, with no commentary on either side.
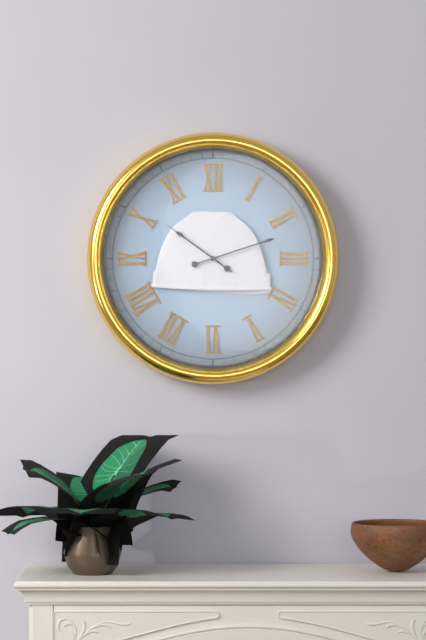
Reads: 10:12:51
